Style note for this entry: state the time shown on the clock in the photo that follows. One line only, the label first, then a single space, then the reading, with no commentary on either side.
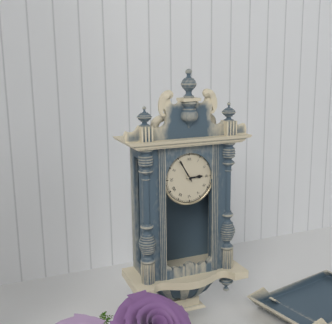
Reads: 2:55
